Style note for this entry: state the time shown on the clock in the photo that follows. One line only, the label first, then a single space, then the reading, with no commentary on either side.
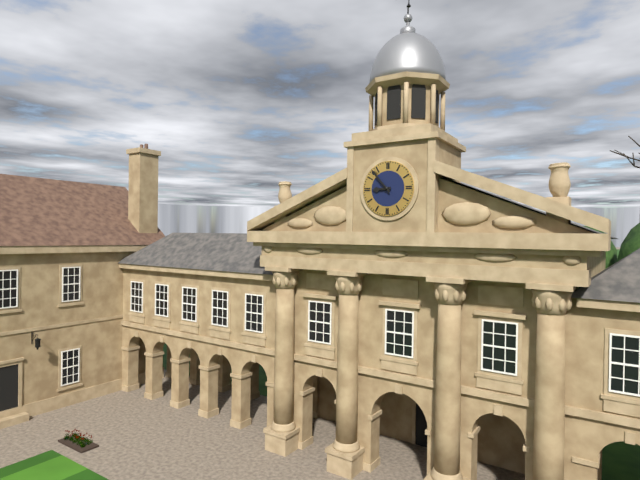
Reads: 8:53
